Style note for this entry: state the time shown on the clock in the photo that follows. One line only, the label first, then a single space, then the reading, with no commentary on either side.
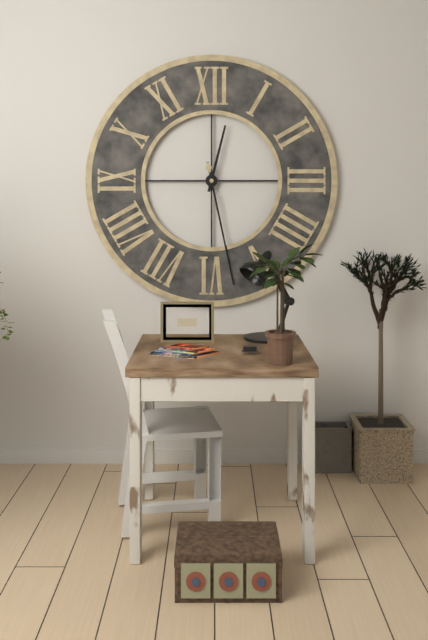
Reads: 12:28
